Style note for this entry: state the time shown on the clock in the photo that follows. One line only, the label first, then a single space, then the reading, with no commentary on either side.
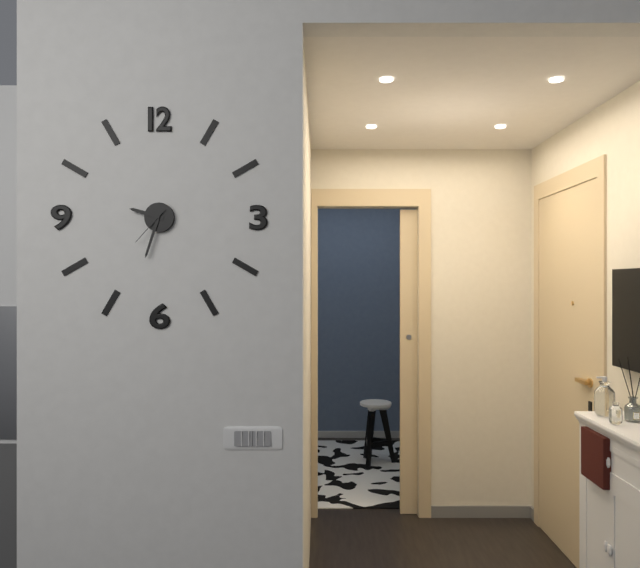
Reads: 9:33
